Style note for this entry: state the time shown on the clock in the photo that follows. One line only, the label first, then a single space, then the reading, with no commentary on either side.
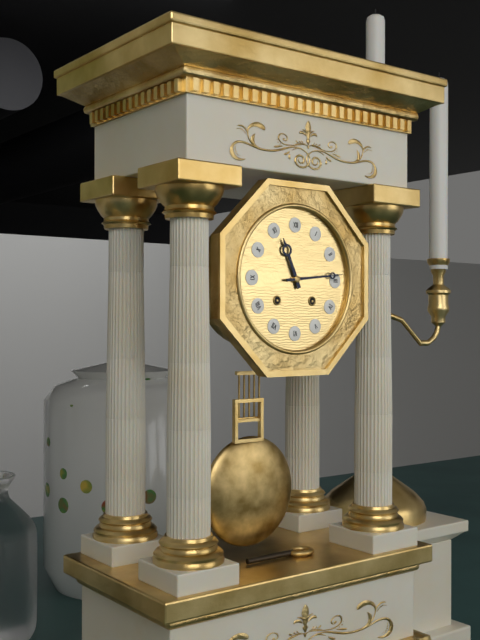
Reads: 11:14
